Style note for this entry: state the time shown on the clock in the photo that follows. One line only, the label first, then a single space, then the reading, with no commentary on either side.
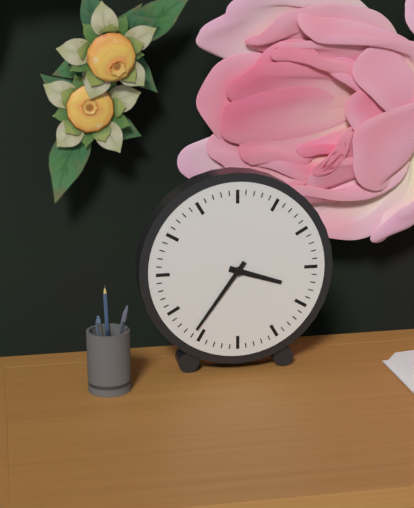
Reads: 3:36
